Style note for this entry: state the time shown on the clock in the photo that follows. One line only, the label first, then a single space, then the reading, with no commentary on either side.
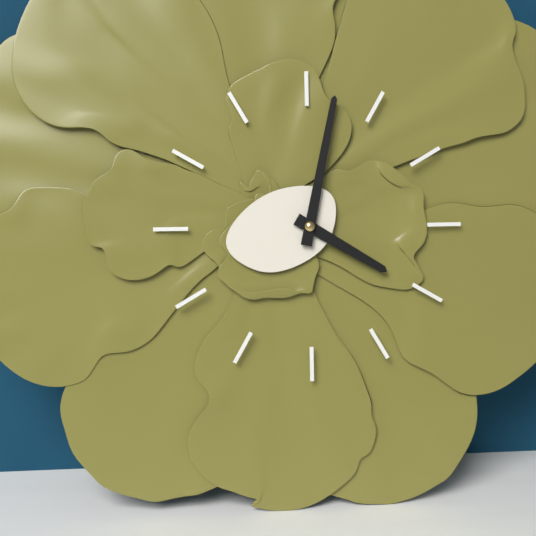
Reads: 4:02
